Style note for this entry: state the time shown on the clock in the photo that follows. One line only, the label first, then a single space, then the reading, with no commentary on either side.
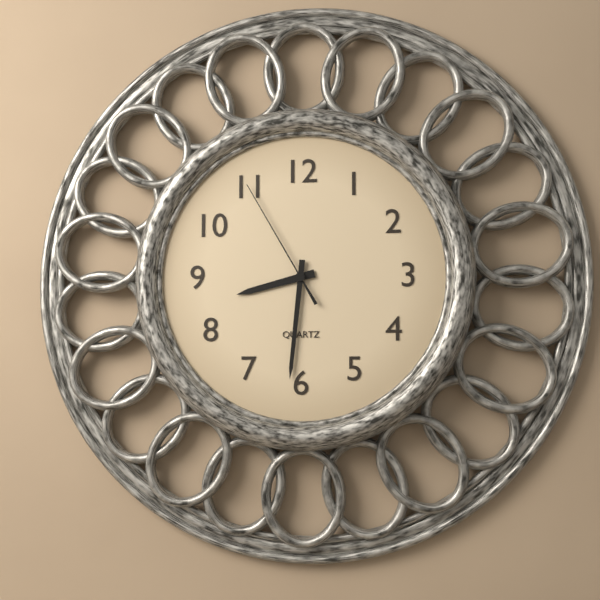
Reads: 8:31:55
